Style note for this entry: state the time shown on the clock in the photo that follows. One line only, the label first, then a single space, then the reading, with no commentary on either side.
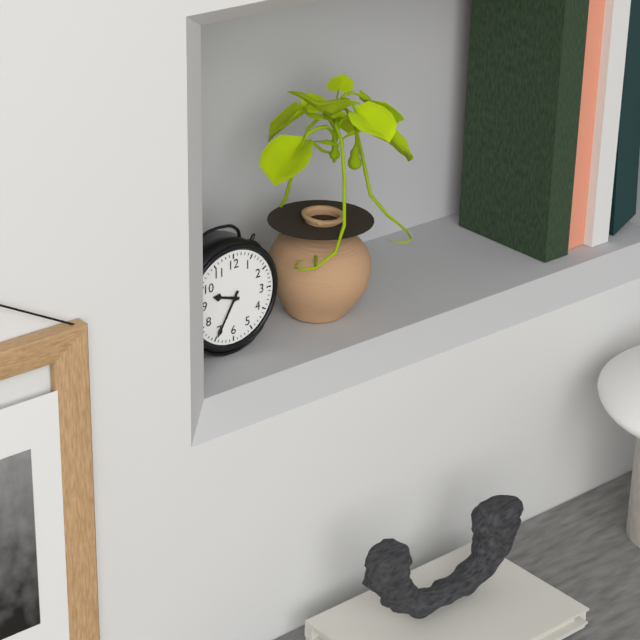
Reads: 9:35
